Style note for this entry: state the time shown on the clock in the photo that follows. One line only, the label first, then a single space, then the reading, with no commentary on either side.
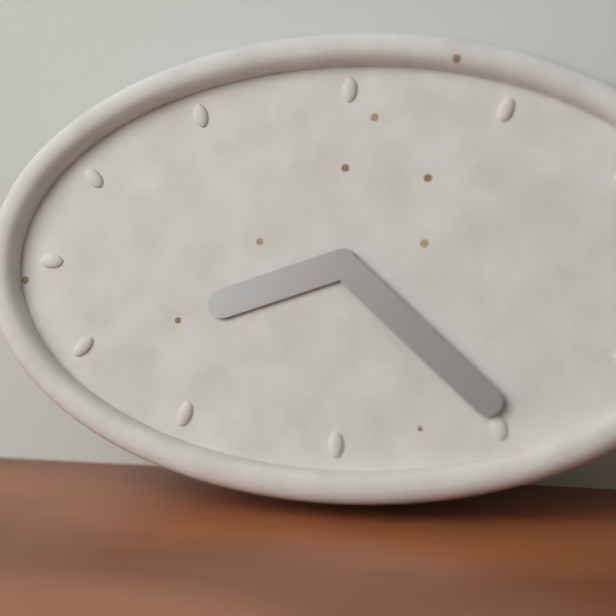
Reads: 8:22
